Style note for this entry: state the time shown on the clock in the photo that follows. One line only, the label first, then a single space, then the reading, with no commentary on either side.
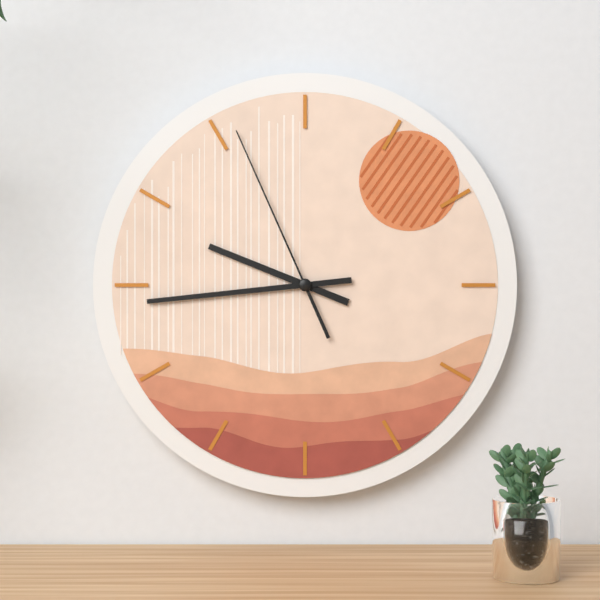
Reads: 9:44:56
